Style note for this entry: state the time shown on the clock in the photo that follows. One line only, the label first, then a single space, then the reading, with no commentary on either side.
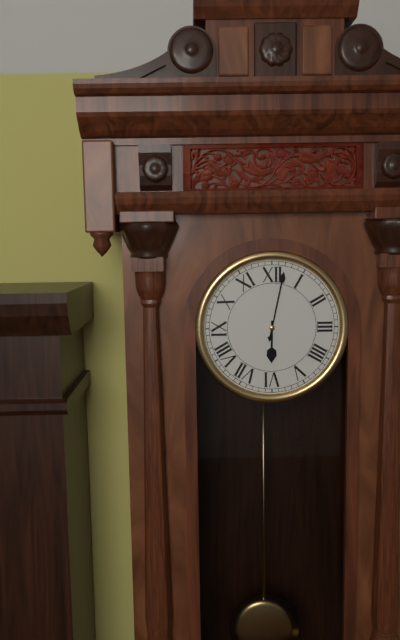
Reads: 6:02
